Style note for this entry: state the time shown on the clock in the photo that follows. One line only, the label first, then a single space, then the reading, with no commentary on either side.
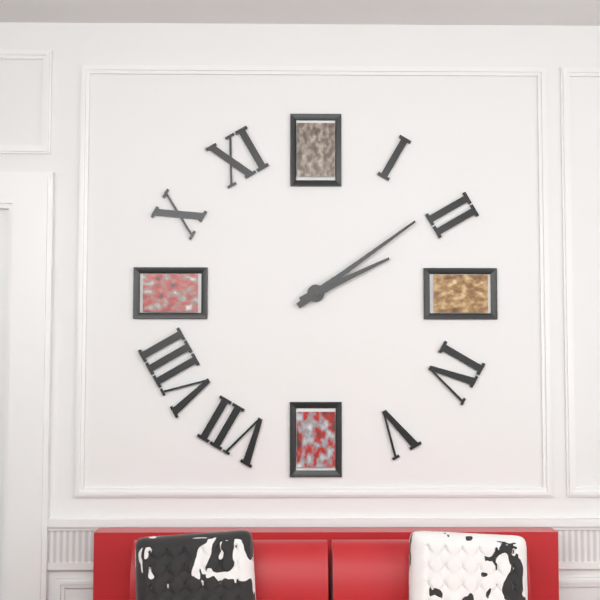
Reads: 2:09
